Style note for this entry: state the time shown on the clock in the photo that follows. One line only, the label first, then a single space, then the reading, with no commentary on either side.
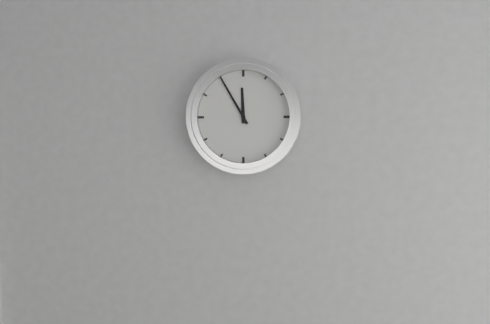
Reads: 11:55
